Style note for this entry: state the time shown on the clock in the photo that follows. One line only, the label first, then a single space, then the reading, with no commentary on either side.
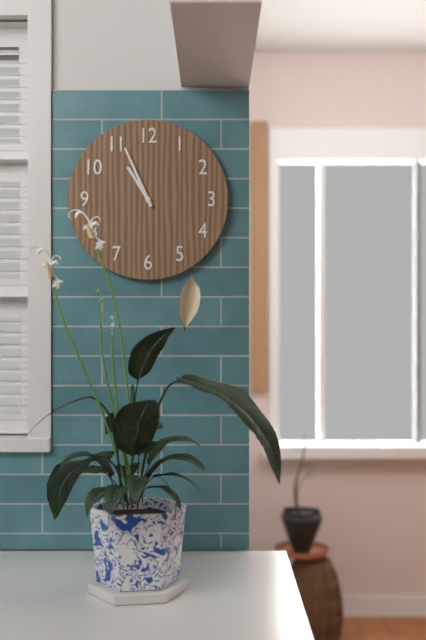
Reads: 10:56
